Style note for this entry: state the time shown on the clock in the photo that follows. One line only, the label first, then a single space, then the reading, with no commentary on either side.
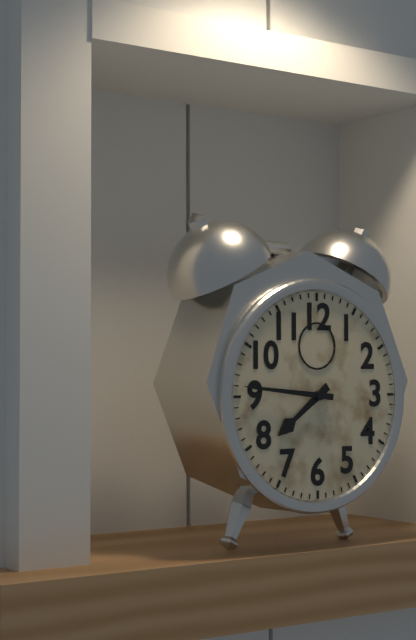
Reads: 7:46
